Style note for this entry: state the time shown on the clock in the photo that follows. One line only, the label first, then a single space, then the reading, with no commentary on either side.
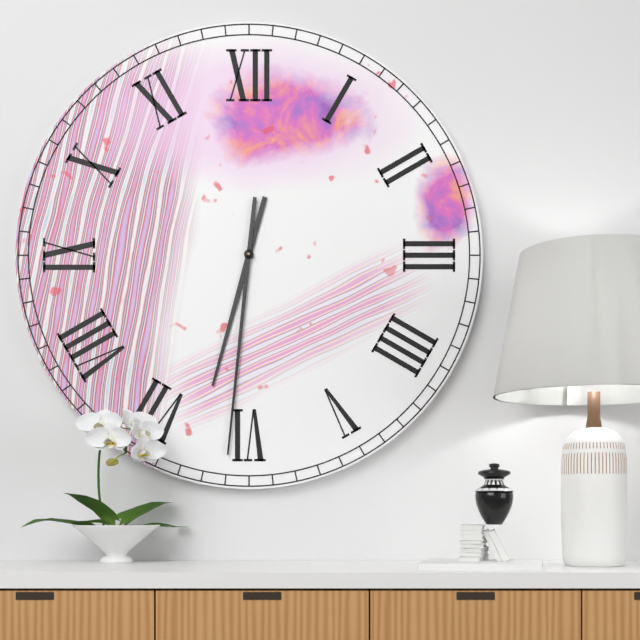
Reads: 6:31
